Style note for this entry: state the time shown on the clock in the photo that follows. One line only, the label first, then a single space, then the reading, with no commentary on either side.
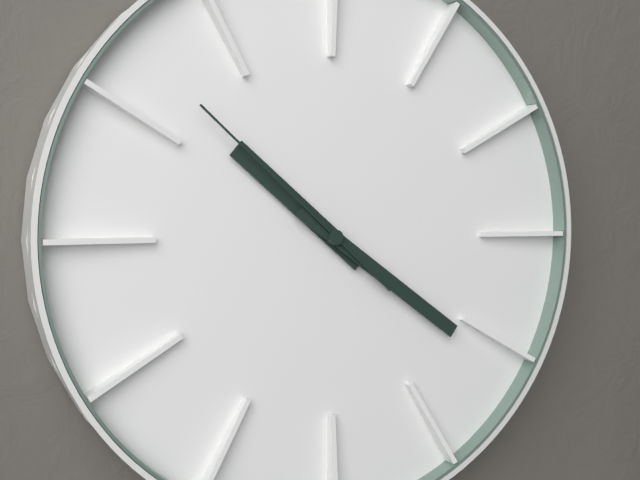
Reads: 10:21:52
